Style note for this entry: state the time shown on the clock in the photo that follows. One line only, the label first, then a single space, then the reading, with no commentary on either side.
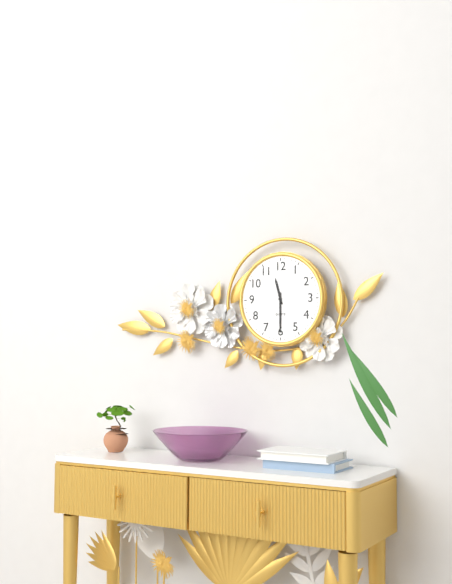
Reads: 11:30
